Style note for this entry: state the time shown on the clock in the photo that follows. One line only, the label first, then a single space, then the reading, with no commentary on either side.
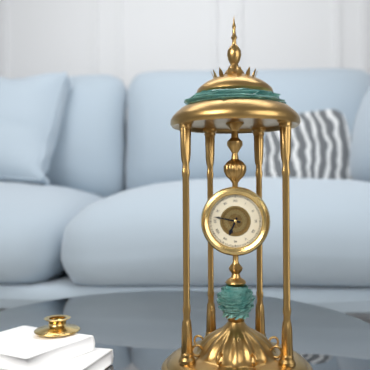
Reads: 6:47
